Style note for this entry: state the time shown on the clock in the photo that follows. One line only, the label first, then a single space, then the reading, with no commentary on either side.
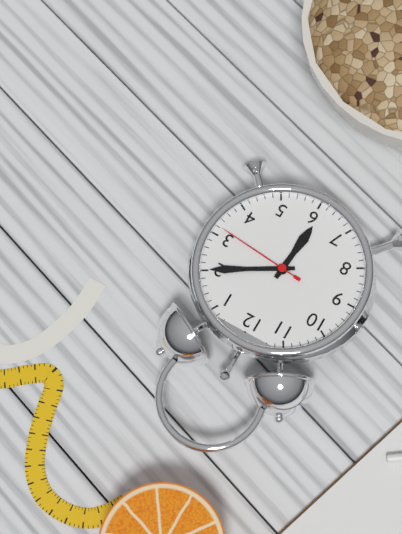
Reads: 6:10:16
